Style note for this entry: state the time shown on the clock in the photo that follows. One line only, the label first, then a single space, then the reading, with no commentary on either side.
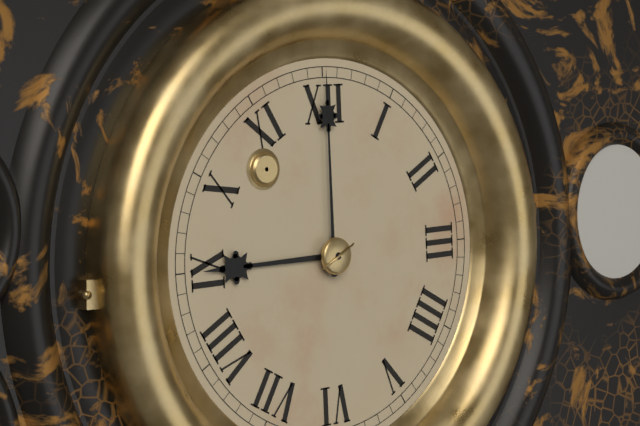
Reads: 9:00
